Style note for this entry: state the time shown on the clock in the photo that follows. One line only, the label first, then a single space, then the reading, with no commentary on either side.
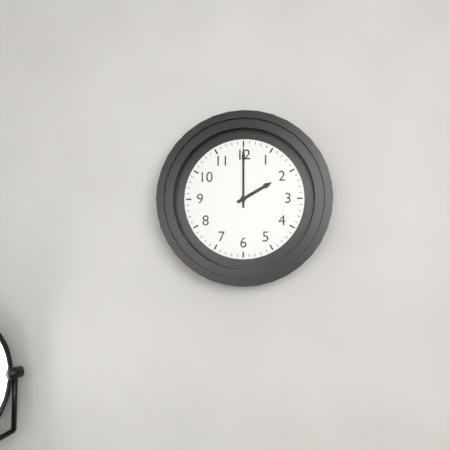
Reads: 2:00
